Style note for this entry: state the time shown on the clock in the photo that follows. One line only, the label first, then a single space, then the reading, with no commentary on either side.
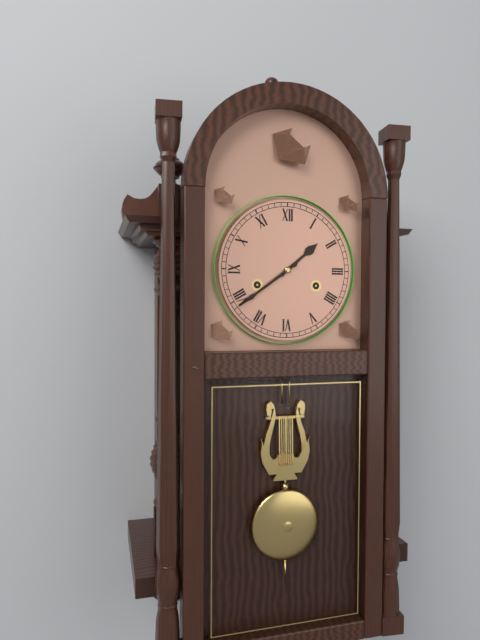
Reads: 1:39
